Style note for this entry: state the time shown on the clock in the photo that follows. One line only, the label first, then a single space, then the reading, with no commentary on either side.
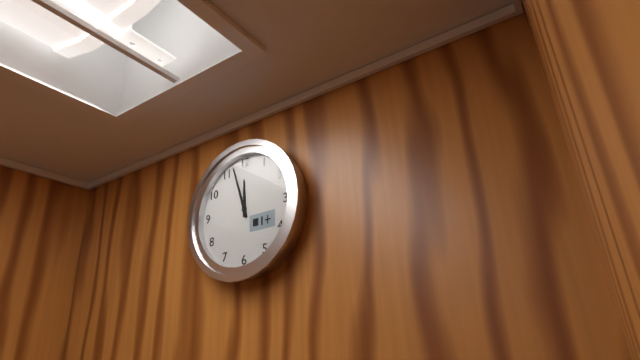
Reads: 11:57
